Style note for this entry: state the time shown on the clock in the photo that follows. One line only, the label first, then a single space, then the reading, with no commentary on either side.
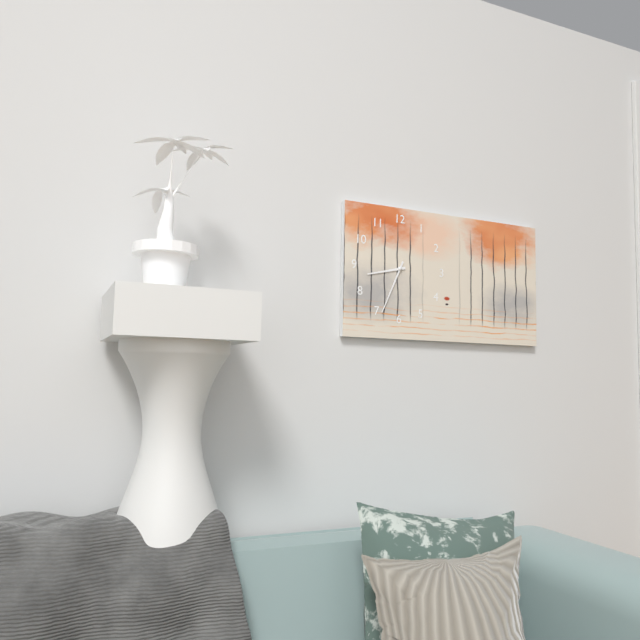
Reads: 8:34
